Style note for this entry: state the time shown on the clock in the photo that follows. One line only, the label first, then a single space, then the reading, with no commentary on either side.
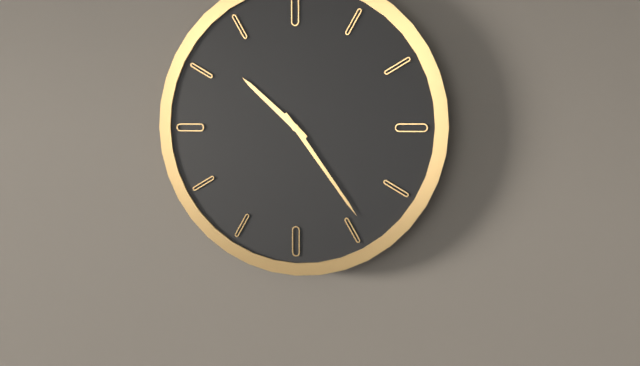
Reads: 10:24
